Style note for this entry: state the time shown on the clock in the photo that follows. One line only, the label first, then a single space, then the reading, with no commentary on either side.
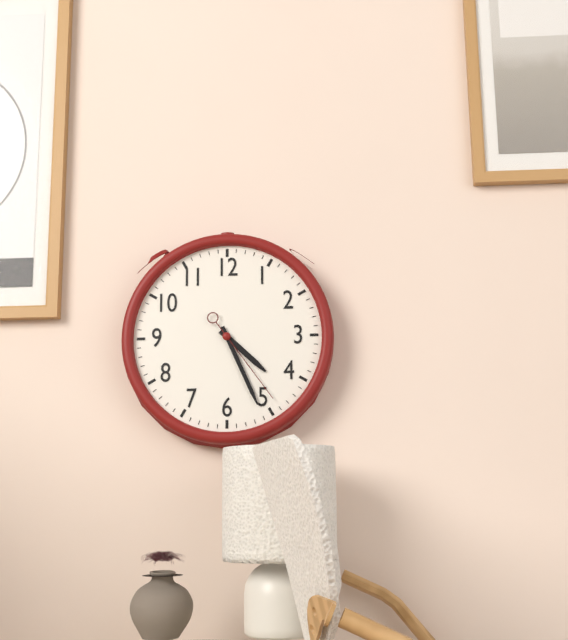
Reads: 4:26:24
